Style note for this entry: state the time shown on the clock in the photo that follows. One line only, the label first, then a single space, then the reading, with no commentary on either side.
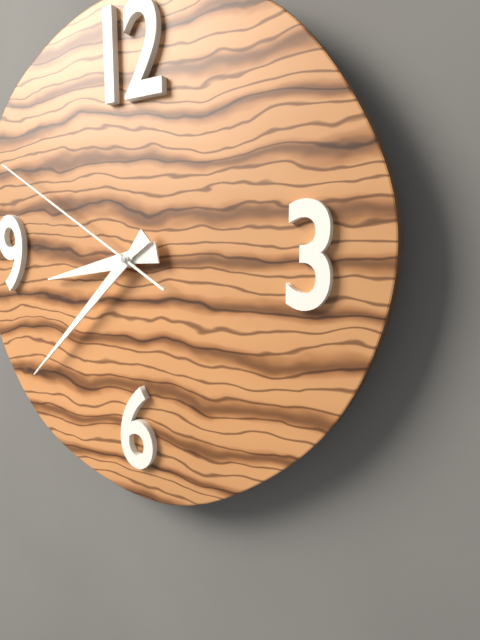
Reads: 8:38:50
